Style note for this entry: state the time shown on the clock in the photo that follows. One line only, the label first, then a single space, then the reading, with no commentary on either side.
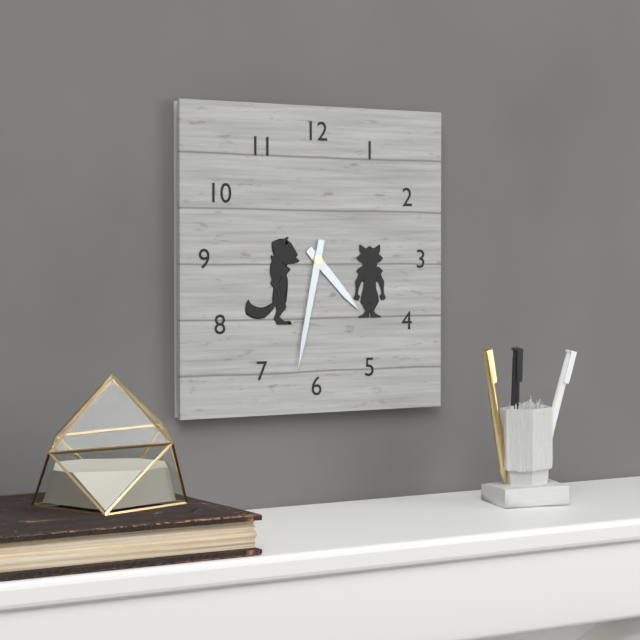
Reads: 4:32
